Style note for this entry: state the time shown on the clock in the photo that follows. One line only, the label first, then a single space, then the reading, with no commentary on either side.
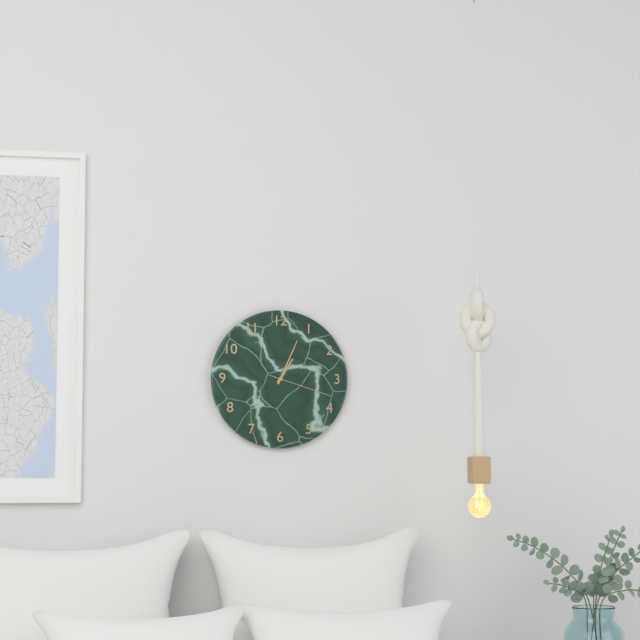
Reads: 1:04:18
